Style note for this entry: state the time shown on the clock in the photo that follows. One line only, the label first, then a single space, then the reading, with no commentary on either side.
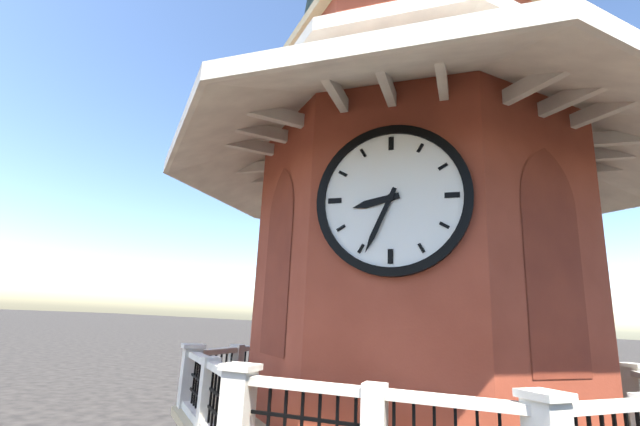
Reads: 8:34
